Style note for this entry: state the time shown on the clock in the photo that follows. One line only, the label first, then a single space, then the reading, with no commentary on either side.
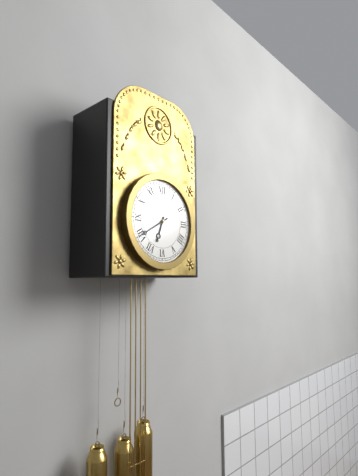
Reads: 6:40
